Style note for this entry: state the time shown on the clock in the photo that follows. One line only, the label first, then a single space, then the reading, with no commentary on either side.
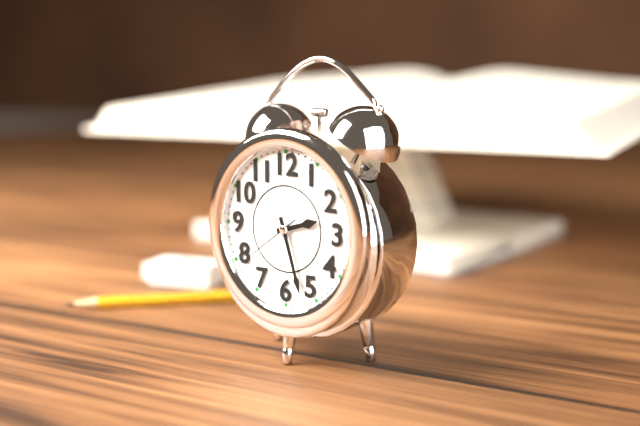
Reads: 2:27:39
